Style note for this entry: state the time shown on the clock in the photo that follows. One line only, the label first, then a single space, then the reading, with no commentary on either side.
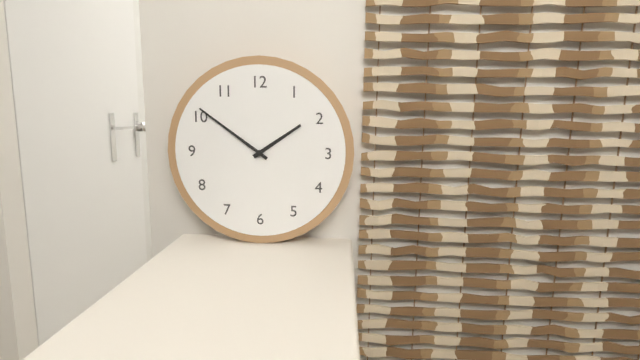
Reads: 1:51
